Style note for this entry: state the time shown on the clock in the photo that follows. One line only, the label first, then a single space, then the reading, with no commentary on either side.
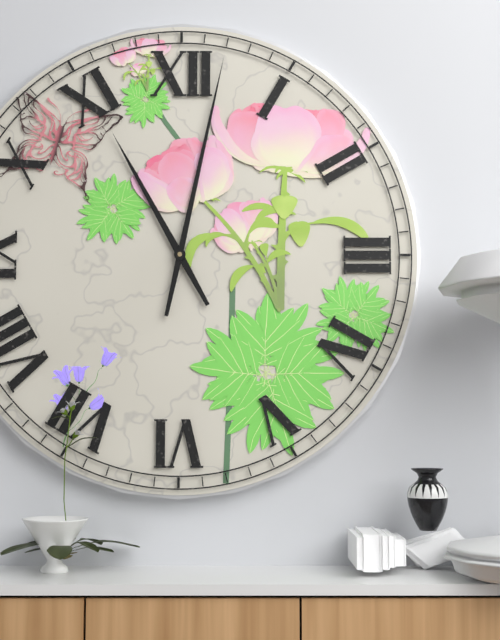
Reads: 11:02
